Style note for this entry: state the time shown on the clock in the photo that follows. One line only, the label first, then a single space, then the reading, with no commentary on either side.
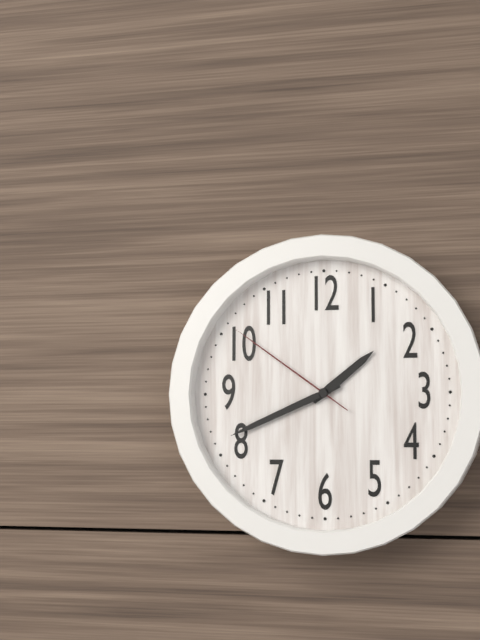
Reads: 1:41:51
